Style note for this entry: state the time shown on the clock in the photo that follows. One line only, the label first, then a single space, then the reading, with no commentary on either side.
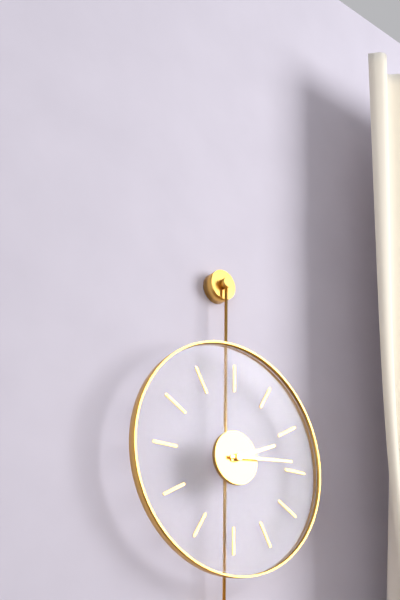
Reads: 2:14
